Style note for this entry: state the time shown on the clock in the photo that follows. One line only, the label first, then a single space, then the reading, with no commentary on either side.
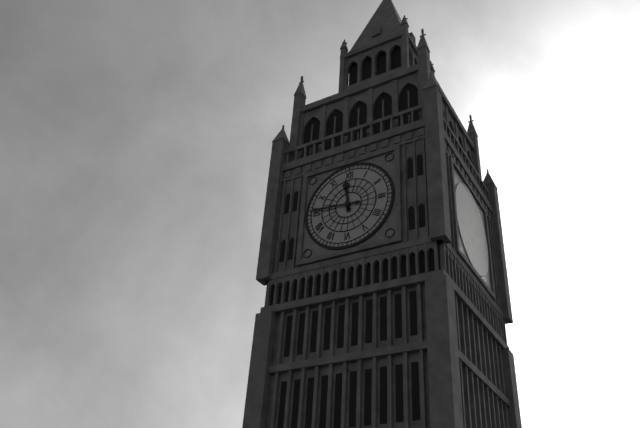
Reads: 11:46
